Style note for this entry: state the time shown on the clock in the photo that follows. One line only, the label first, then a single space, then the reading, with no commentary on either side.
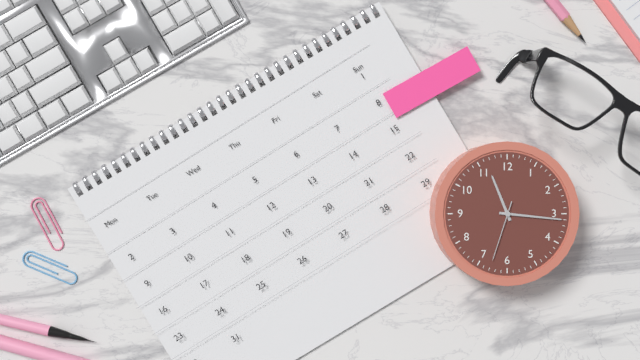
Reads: 11:16:33
